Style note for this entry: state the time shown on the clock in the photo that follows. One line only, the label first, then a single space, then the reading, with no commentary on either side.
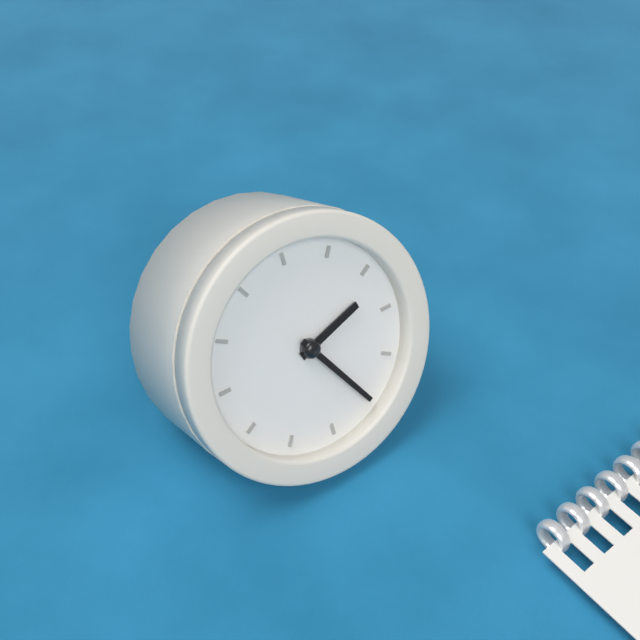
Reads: 2:25
